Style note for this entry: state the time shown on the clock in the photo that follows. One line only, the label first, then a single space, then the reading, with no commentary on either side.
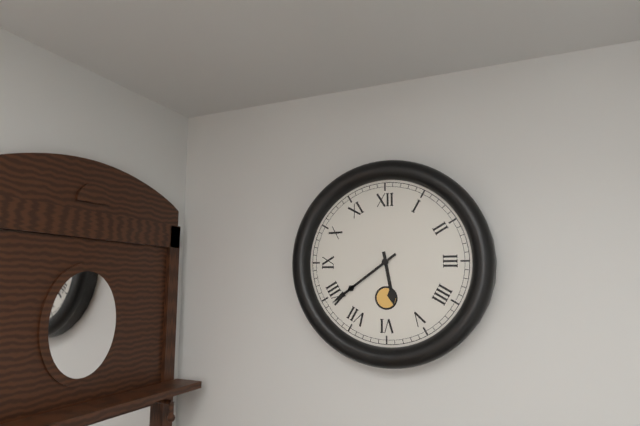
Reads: 5:39
